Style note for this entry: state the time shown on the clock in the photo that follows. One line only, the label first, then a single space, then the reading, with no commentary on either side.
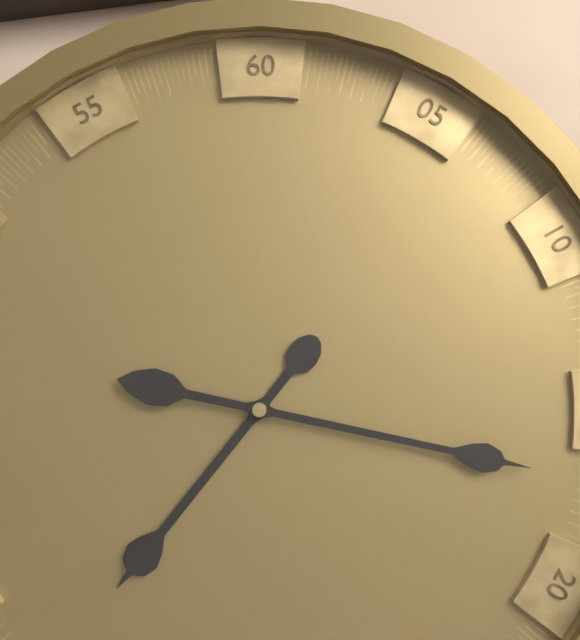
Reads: 7:17
